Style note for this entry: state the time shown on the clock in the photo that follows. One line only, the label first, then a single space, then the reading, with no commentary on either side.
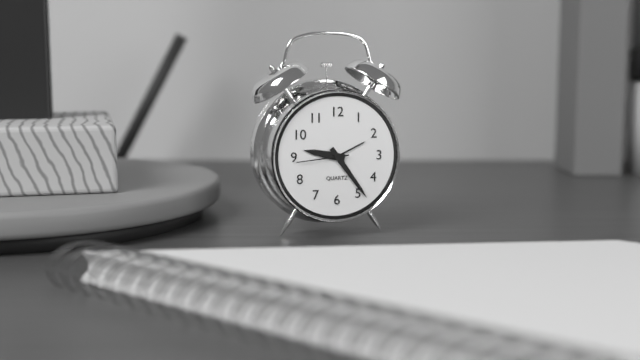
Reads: 9:24:44
